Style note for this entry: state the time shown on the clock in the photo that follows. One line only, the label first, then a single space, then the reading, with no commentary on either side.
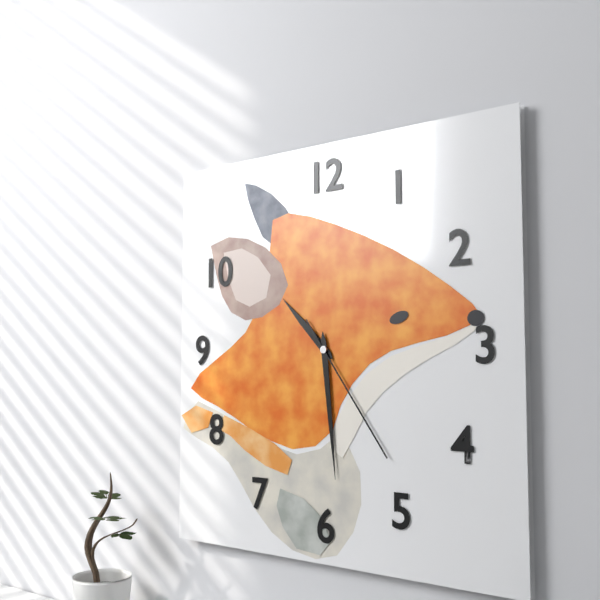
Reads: 10:29:24
